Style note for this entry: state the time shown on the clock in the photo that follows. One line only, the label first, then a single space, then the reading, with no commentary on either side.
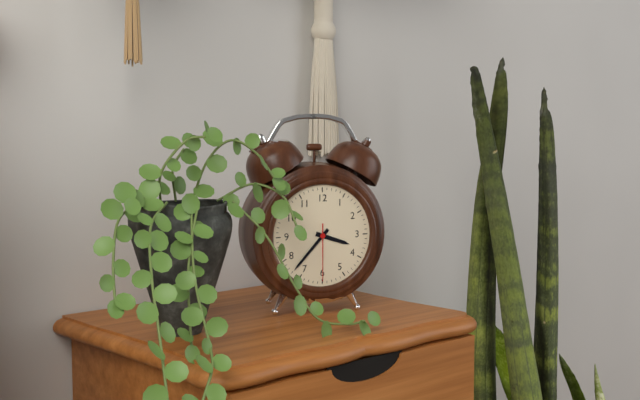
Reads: 3:37:30
